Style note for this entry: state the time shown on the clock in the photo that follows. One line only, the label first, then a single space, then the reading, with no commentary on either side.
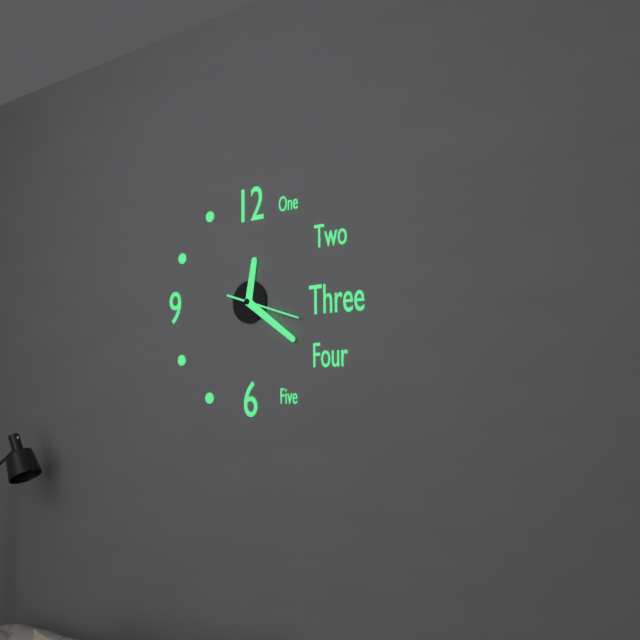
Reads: 12:21:18
